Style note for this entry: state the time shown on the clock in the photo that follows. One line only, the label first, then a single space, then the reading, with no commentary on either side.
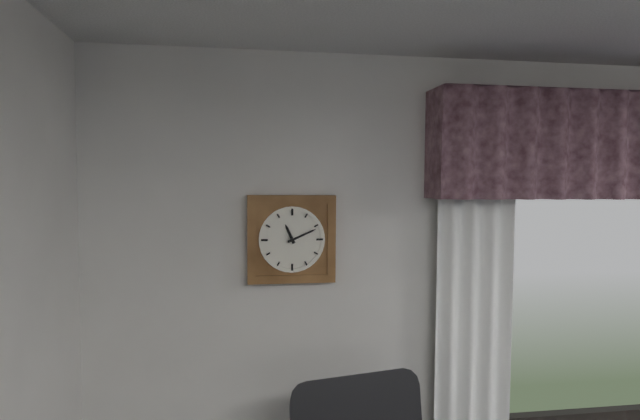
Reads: 11:11
